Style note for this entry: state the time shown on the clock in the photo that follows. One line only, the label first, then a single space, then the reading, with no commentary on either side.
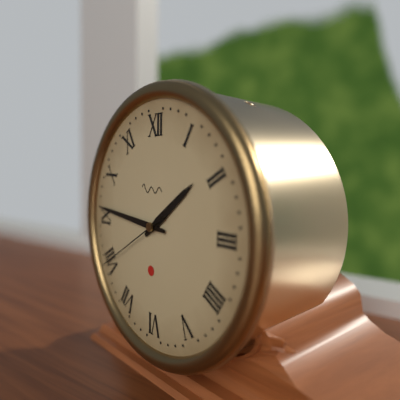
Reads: 1:46:40
